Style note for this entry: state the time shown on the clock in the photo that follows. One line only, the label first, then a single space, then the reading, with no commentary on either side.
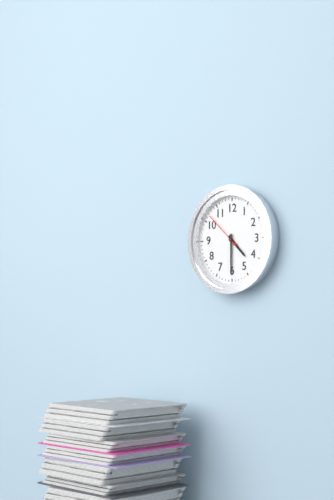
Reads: 4:30
